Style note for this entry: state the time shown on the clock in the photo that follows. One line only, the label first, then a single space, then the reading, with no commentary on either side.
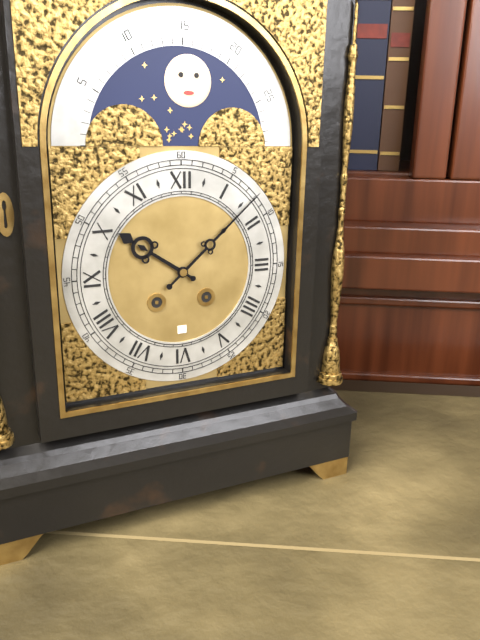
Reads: 10:08
